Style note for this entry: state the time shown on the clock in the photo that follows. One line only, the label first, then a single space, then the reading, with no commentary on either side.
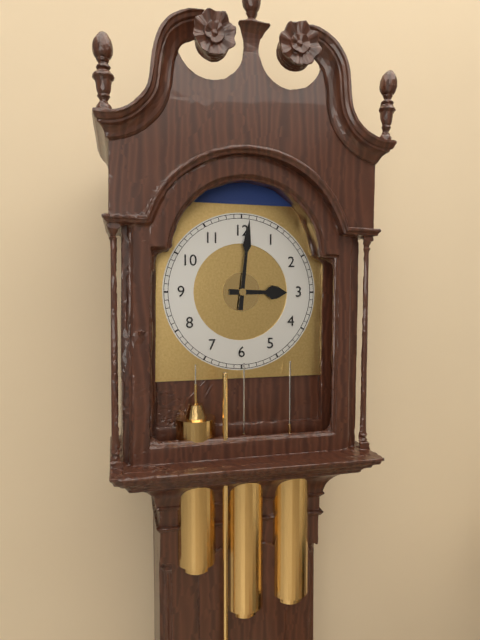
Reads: 3:01
